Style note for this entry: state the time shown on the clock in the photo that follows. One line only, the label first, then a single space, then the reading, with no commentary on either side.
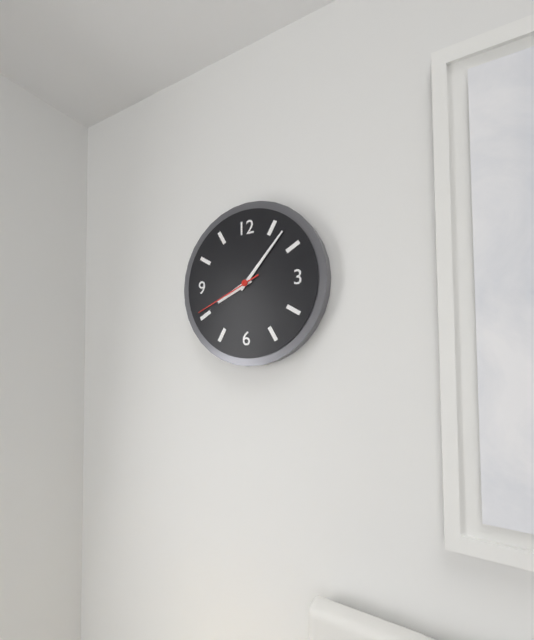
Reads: 8:07:41
